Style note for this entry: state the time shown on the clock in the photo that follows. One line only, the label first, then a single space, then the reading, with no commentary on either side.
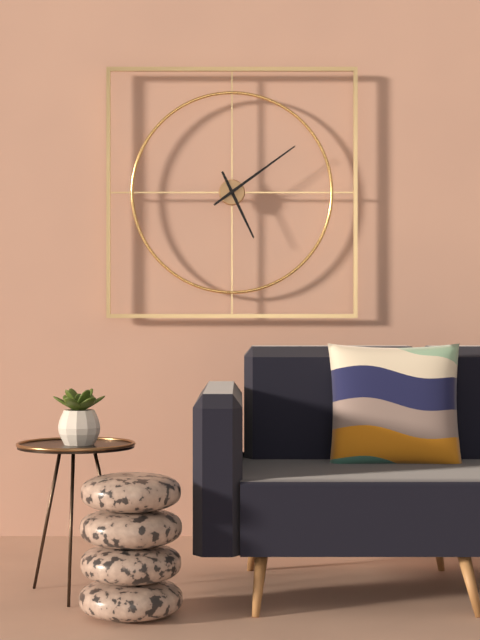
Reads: 5:09
